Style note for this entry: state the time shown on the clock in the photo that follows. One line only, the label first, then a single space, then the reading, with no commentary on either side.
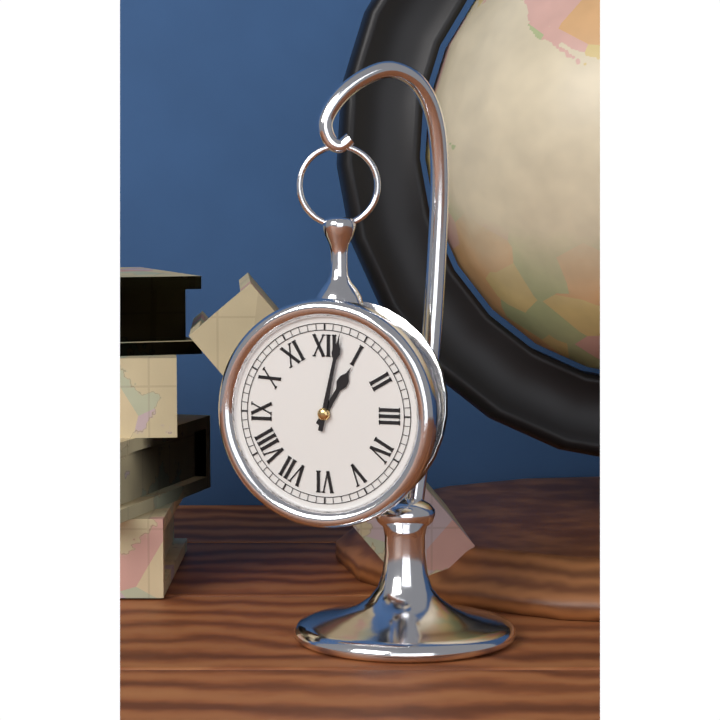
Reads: 1:02
